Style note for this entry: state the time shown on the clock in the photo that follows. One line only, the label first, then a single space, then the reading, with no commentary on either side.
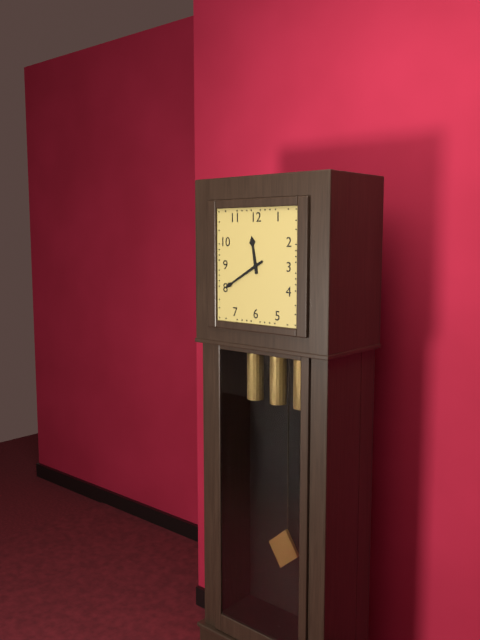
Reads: 11:40
